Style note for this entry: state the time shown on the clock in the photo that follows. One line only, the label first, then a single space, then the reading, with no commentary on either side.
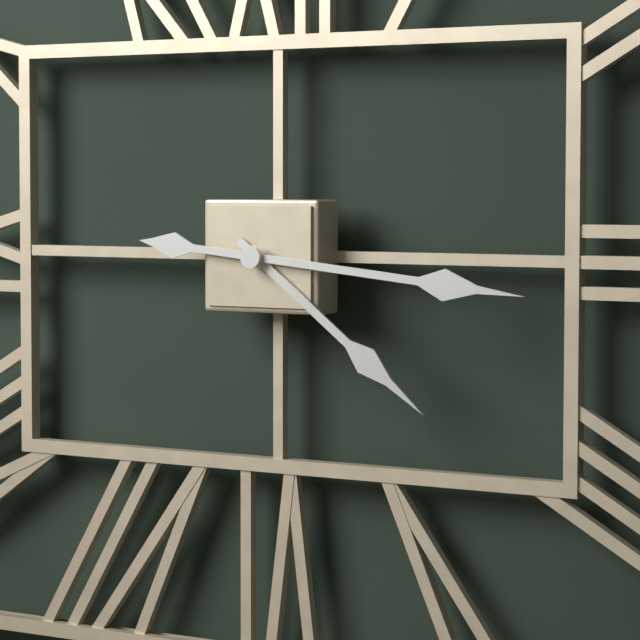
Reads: 4:16
